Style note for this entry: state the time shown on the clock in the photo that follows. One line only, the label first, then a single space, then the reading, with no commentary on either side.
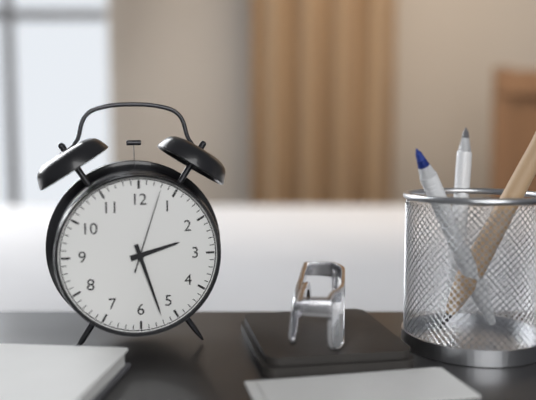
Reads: 2:27:03
